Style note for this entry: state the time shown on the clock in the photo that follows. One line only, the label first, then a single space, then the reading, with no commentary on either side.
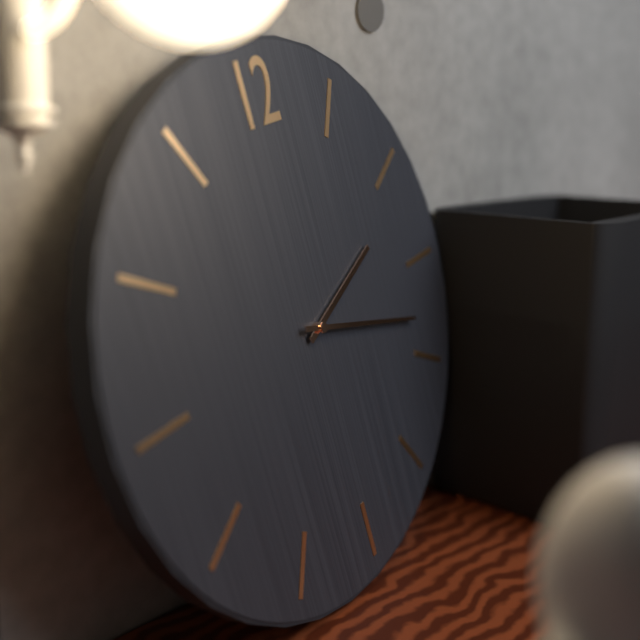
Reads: 2:18
